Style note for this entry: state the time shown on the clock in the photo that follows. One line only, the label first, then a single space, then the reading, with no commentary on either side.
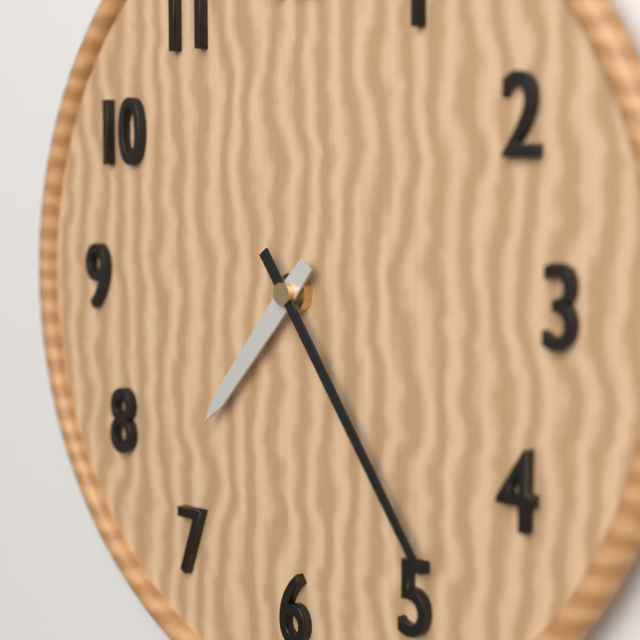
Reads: 7:24
